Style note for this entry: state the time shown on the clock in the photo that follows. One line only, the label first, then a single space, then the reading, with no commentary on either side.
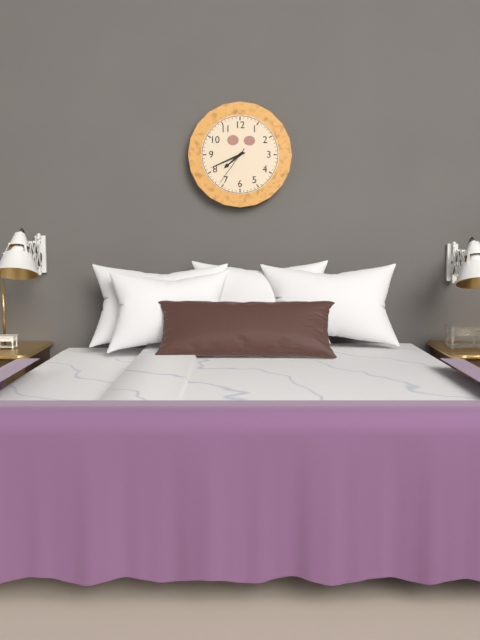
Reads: 7:41
